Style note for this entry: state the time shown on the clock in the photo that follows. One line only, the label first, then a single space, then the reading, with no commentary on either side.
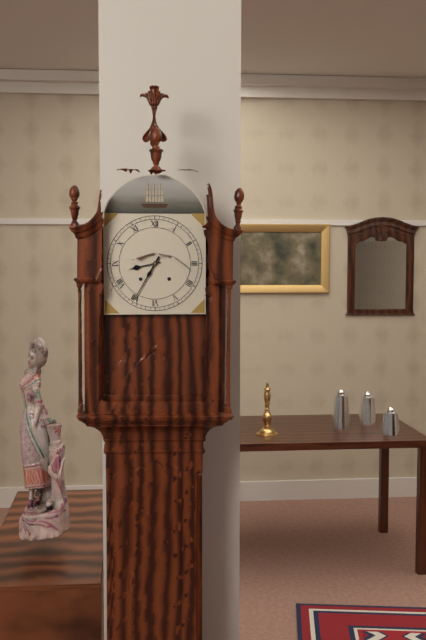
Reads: 8:35
